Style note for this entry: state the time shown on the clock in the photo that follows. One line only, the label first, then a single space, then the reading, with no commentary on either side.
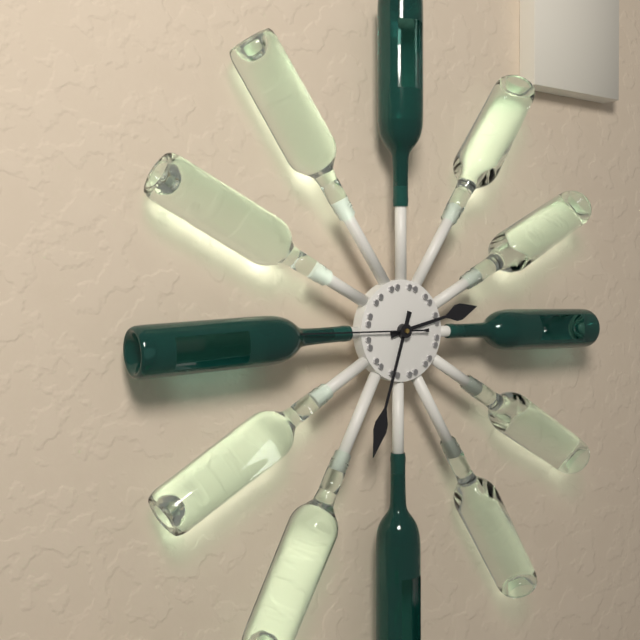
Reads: 2:33:45
